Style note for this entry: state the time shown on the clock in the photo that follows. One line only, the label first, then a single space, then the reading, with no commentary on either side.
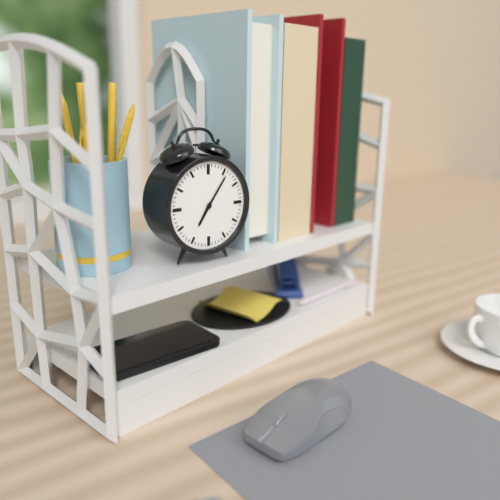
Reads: 7:06
